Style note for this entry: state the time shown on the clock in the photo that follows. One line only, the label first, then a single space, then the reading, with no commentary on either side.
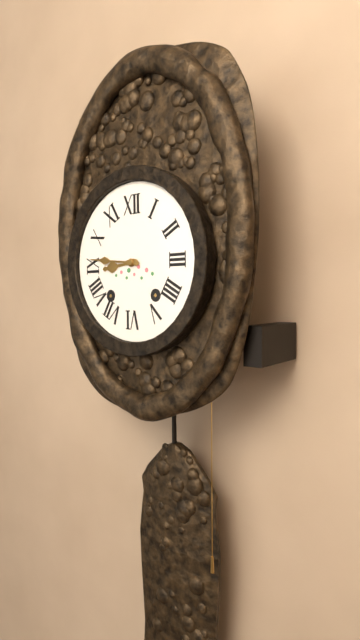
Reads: 8:46
